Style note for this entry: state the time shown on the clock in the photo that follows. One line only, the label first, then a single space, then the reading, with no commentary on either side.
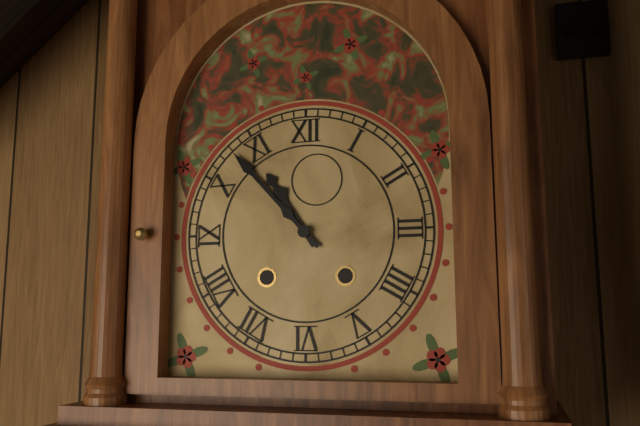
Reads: 10:53
